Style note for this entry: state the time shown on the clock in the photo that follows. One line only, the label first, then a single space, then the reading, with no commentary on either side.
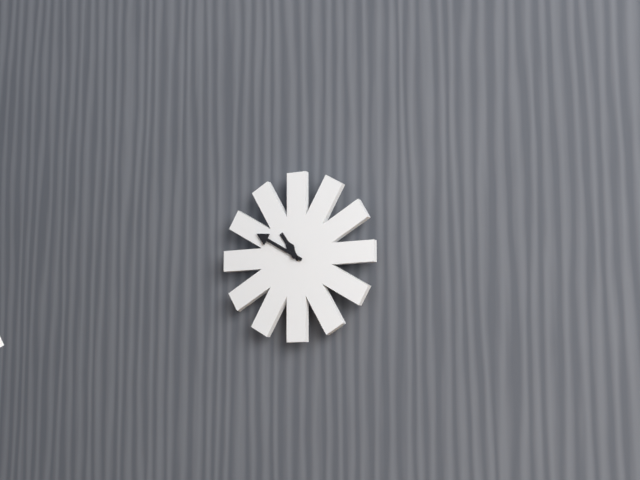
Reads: 10:50
